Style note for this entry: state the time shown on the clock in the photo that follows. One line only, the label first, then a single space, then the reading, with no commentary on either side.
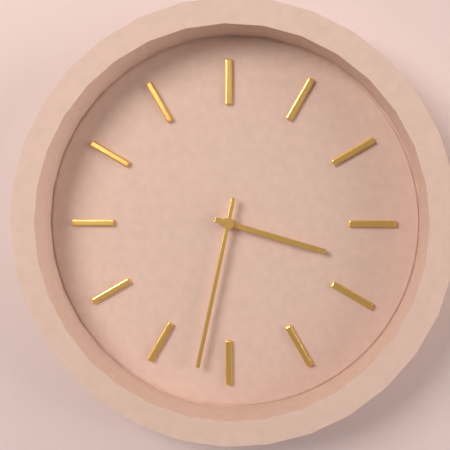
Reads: 3:32
